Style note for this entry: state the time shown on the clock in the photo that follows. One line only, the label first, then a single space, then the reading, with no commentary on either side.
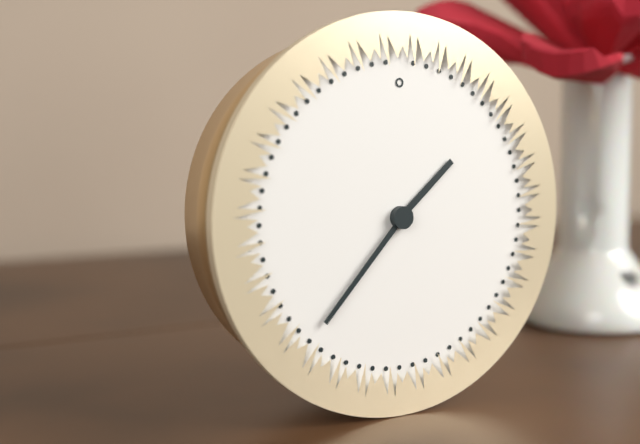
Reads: 1:37
